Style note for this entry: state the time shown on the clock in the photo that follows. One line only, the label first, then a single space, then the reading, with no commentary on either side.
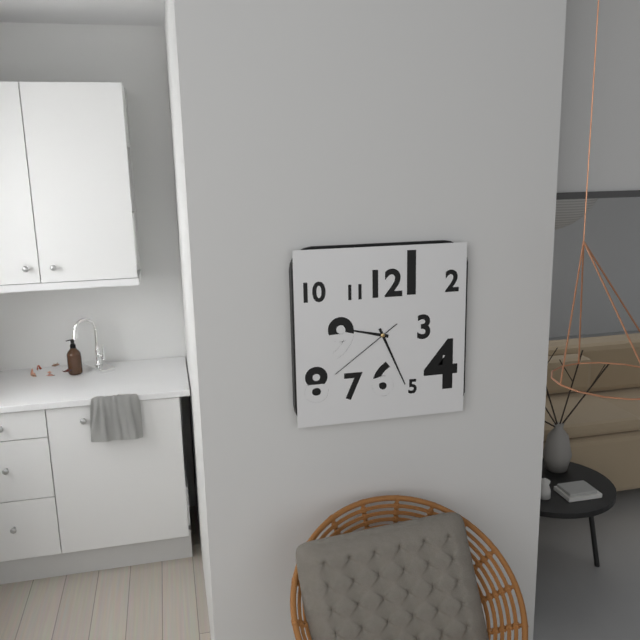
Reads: 9:26:39
